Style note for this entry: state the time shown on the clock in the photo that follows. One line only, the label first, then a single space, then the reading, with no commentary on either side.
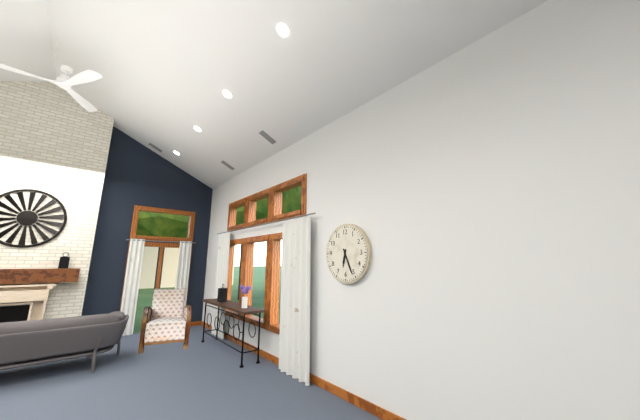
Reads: 6:26
